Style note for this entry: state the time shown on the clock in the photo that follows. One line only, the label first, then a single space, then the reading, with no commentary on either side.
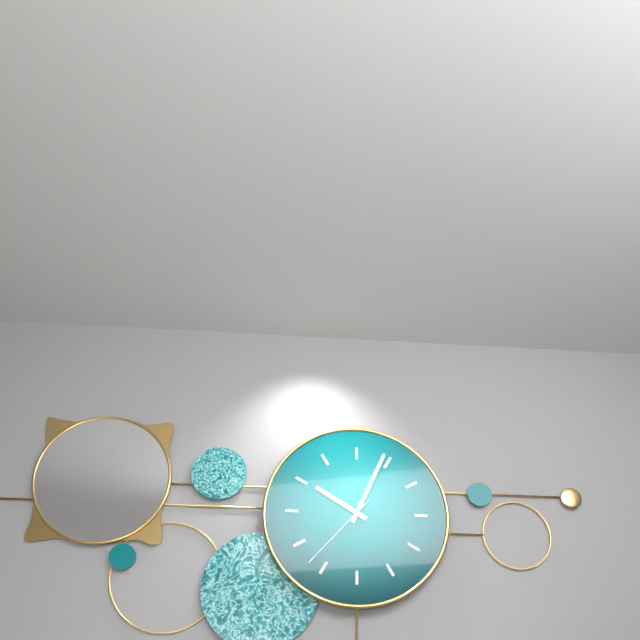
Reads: 10:04:37
